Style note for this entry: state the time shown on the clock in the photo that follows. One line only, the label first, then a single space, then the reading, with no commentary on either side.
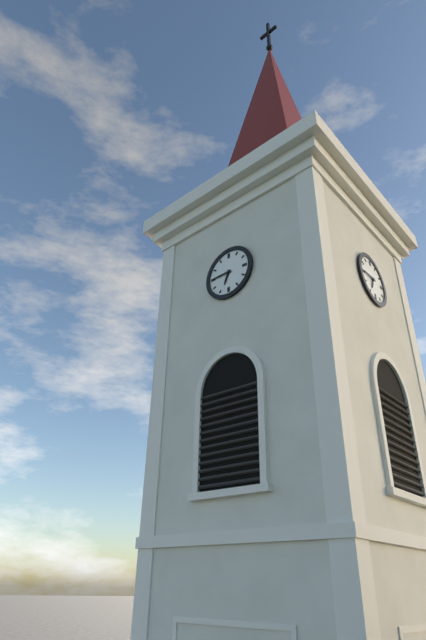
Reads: 6:45
